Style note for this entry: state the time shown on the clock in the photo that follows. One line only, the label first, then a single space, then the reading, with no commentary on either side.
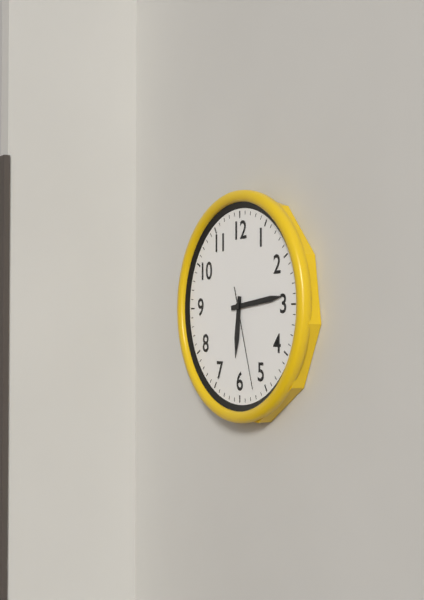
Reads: 6:14:27
